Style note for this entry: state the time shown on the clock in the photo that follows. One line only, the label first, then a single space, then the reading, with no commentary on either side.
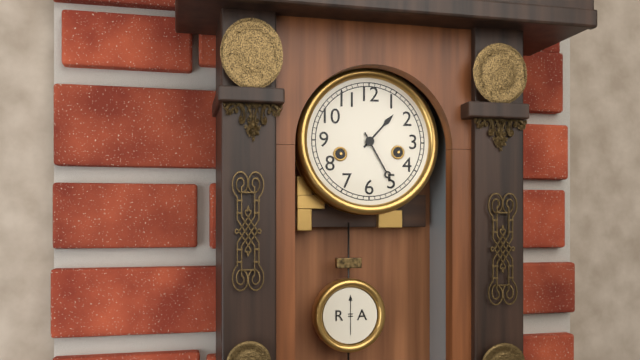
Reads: 1:25
